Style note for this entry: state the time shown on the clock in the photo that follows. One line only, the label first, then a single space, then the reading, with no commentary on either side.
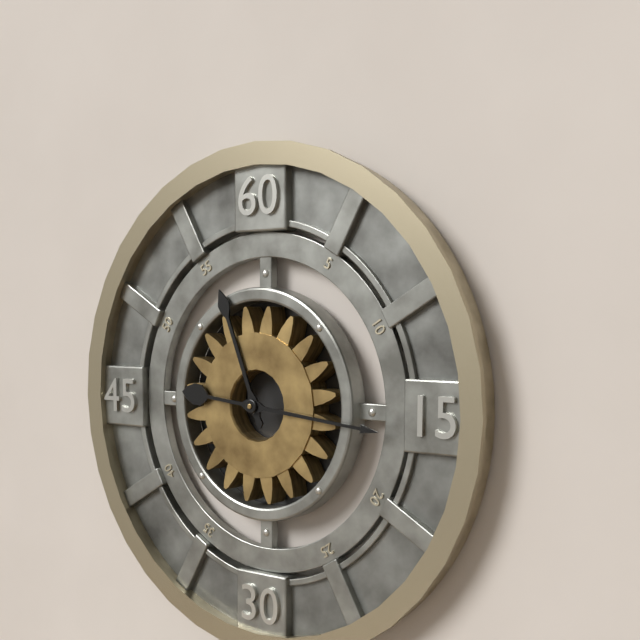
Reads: 11:16
